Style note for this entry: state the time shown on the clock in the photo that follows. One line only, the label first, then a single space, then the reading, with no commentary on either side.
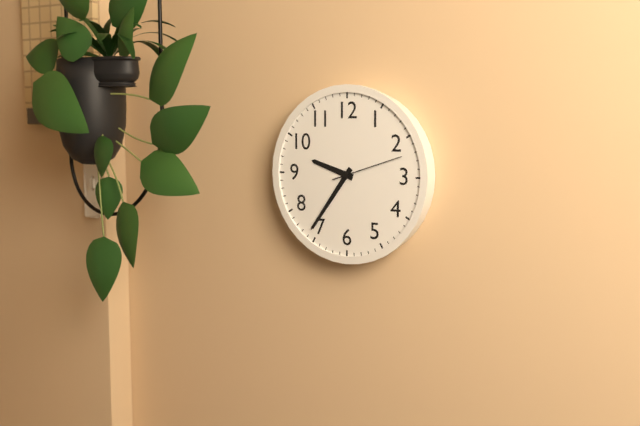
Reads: 9:36:12
